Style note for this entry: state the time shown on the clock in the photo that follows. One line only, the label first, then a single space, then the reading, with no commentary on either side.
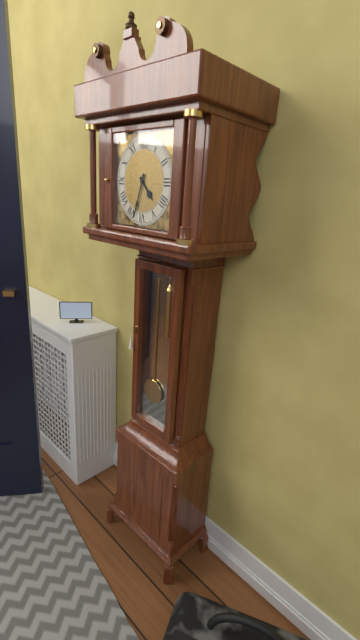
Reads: 4:33
